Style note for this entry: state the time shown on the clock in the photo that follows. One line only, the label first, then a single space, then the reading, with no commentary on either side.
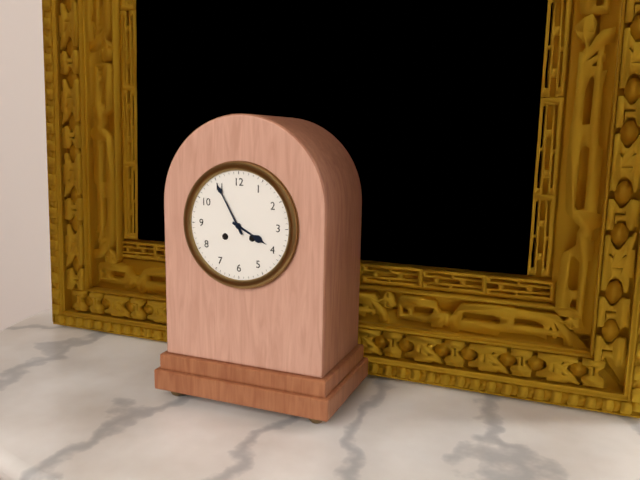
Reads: 3:55
